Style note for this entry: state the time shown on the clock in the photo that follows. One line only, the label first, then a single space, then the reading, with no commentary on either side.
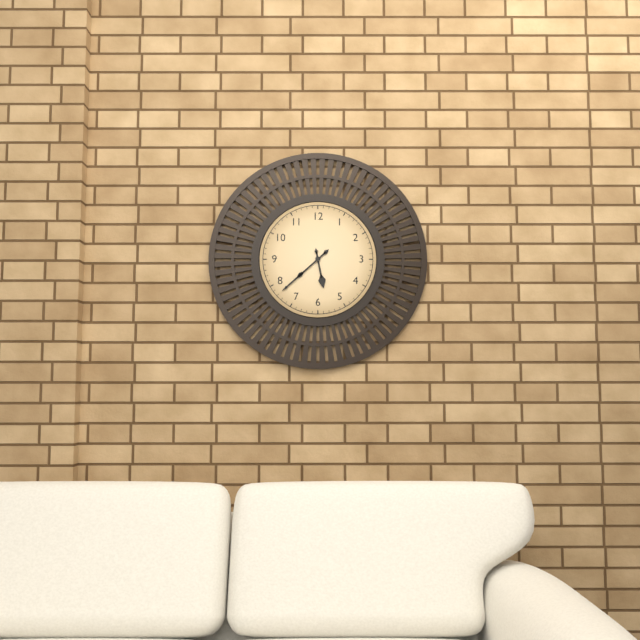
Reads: 5:38
